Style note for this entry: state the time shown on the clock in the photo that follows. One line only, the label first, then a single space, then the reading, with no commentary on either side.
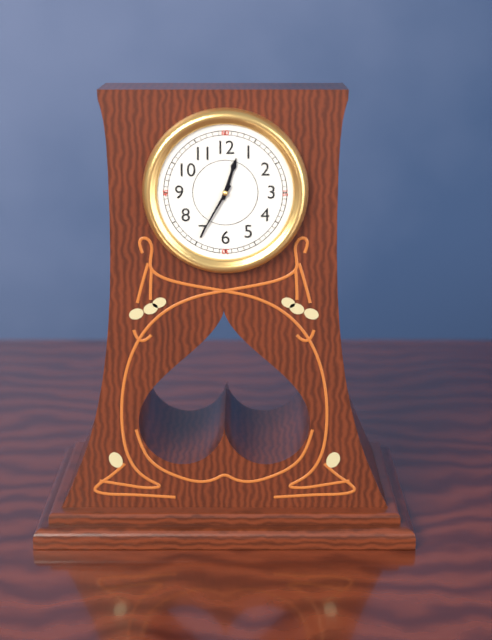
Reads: 12:35
